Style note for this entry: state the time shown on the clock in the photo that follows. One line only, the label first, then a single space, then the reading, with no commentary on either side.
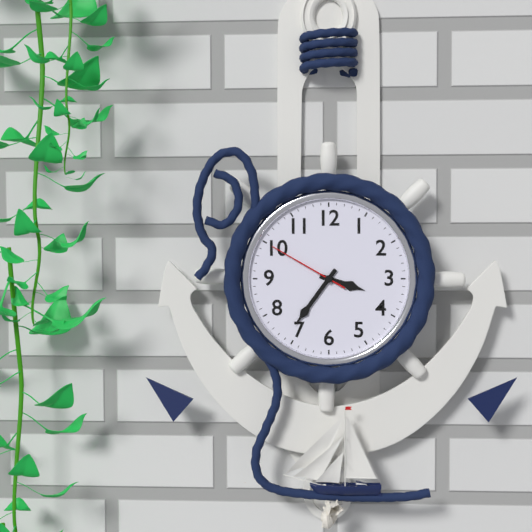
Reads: 3:36:50
